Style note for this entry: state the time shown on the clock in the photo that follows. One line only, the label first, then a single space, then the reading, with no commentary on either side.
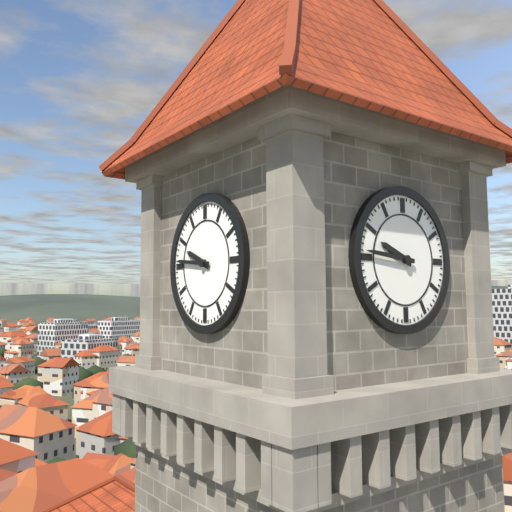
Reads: 9:46
